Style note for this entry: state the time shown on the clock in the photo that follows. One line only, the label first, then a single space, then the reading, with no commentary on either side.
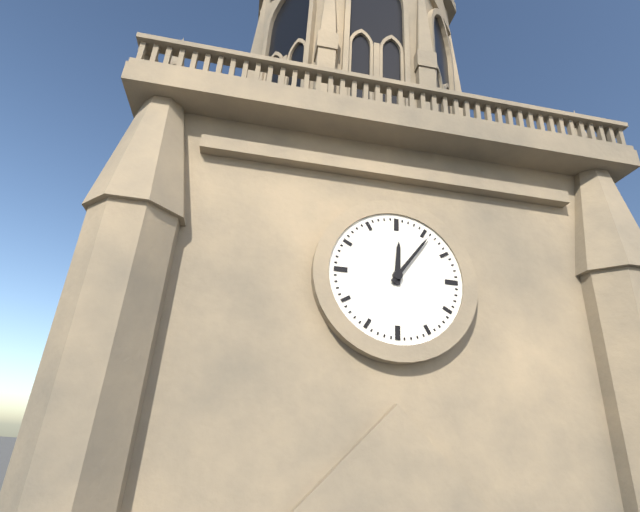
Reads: 12:06
